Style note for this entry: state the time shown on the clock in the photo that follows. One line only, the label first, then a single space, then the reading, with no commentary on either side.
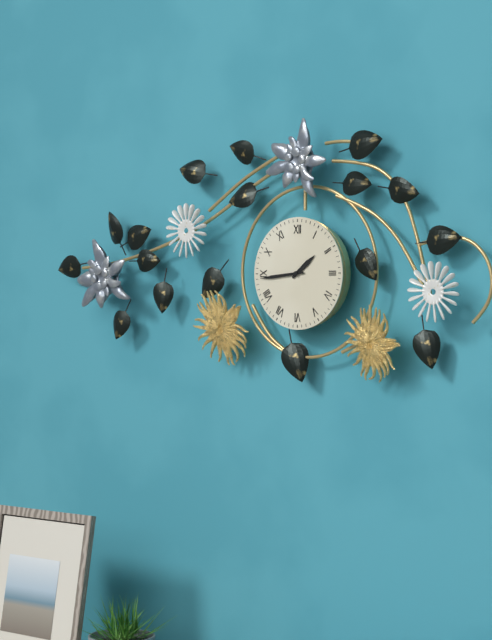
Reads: 1:44
